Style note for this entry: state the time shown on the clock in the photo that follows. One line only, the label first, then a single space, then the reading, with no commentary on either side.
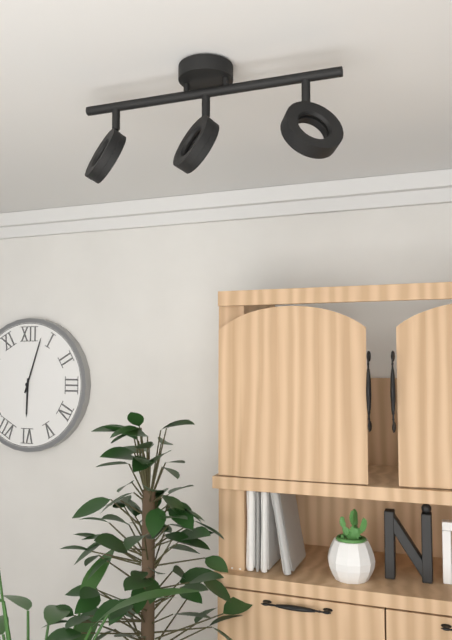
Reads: 6:03
